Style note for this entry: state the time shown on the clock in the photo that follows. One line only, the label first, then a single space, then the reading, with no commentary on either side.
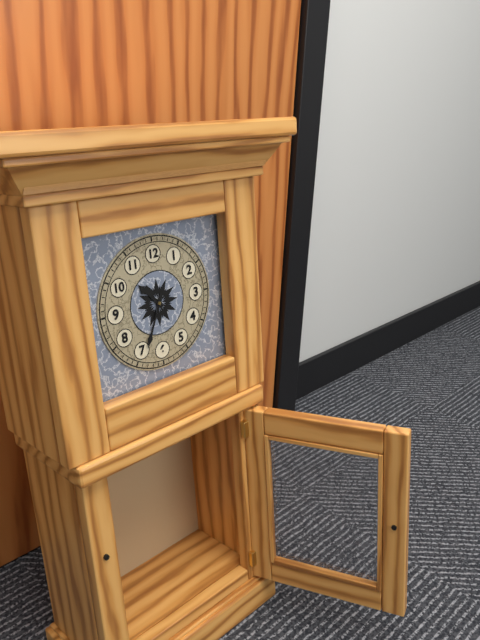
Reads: 10:34
